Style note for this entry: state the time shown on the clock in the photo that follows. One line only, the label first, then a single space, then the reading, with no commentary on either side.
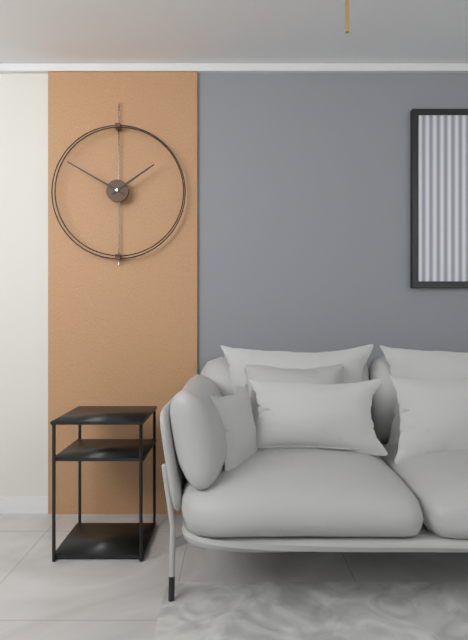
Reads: 1:50
